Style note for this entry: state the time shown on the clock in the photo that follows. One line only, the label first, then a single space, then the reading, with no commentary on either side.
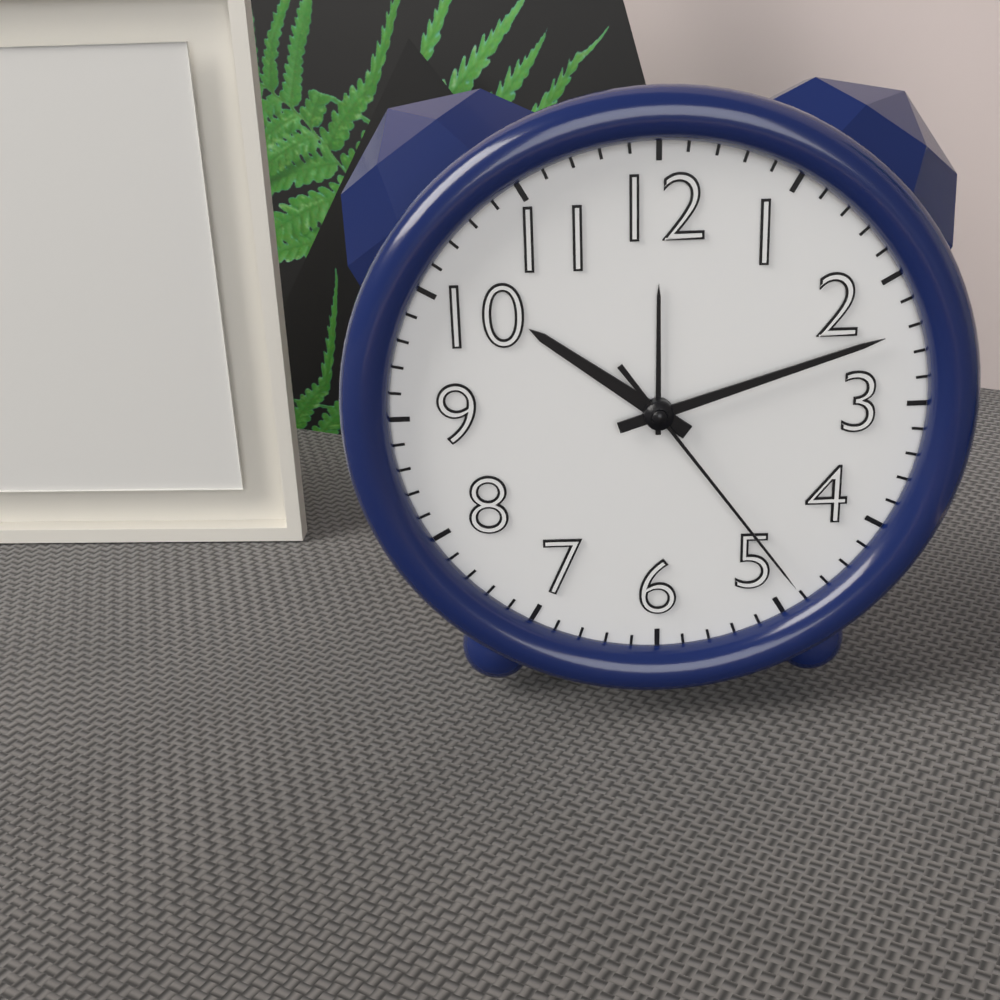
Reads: 10:12:24
